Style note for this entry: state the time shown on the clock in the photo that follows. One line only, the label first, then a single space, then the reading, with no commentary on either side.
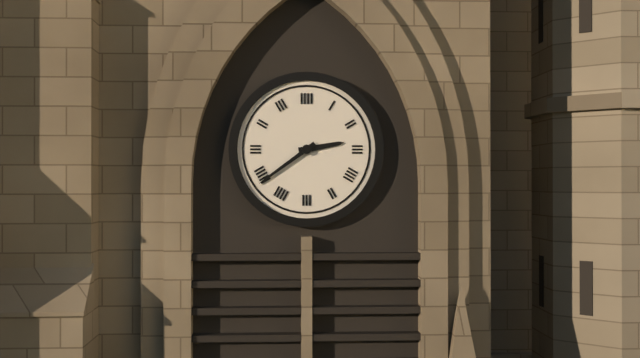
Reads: 2:39
